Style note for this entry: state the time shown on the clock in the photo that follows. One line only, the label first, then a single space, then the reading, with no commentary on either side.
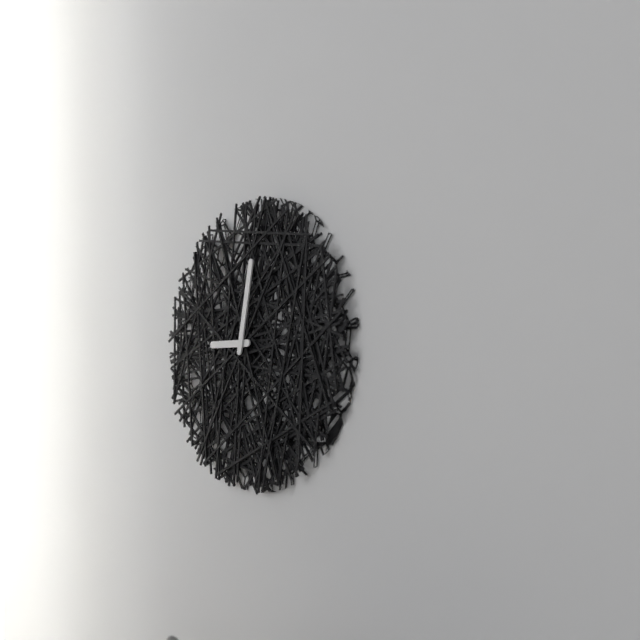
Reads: 9:02
